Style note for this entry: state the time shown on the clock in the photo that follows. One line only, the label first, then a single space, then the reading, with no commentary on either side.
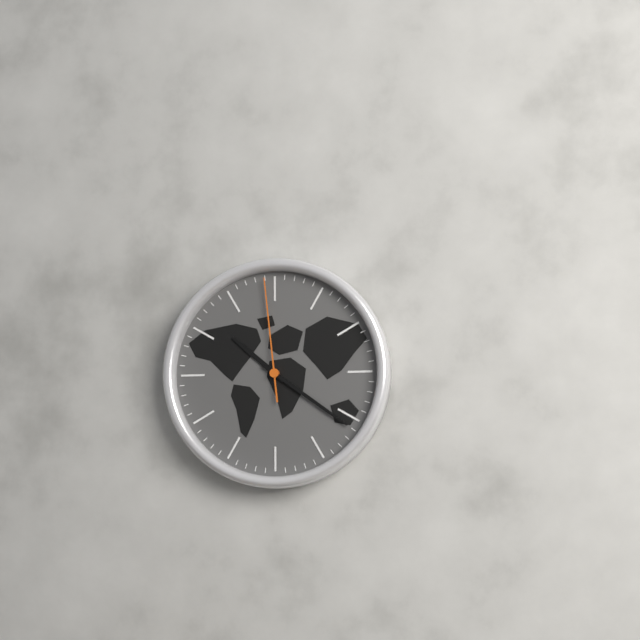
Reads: 10:21:59
